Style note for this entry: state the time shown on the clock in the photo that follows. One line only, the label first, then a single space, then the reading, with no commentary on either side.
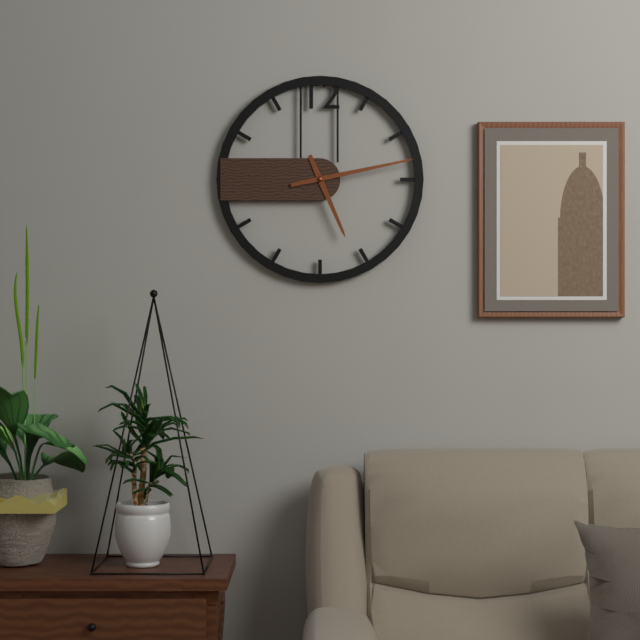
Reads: 5:13
